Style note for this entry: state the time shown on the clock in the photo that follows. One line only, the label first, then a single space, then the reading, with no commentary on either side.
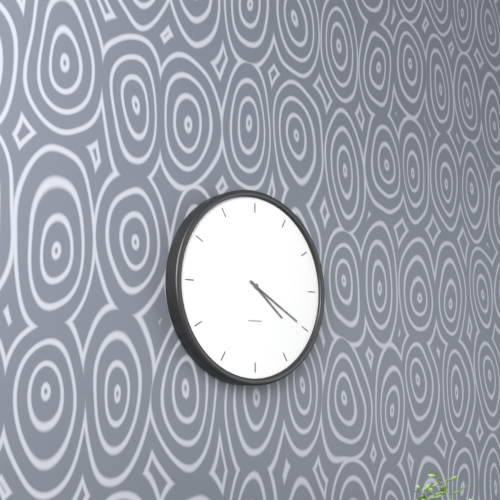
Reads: 4:20
